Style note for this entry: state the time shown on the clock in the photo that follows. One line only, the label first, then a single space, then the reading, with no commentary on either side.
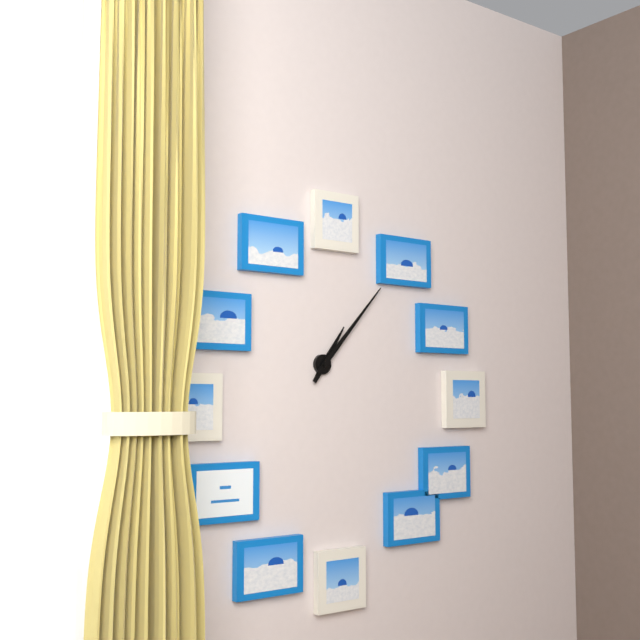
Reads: 1:07
